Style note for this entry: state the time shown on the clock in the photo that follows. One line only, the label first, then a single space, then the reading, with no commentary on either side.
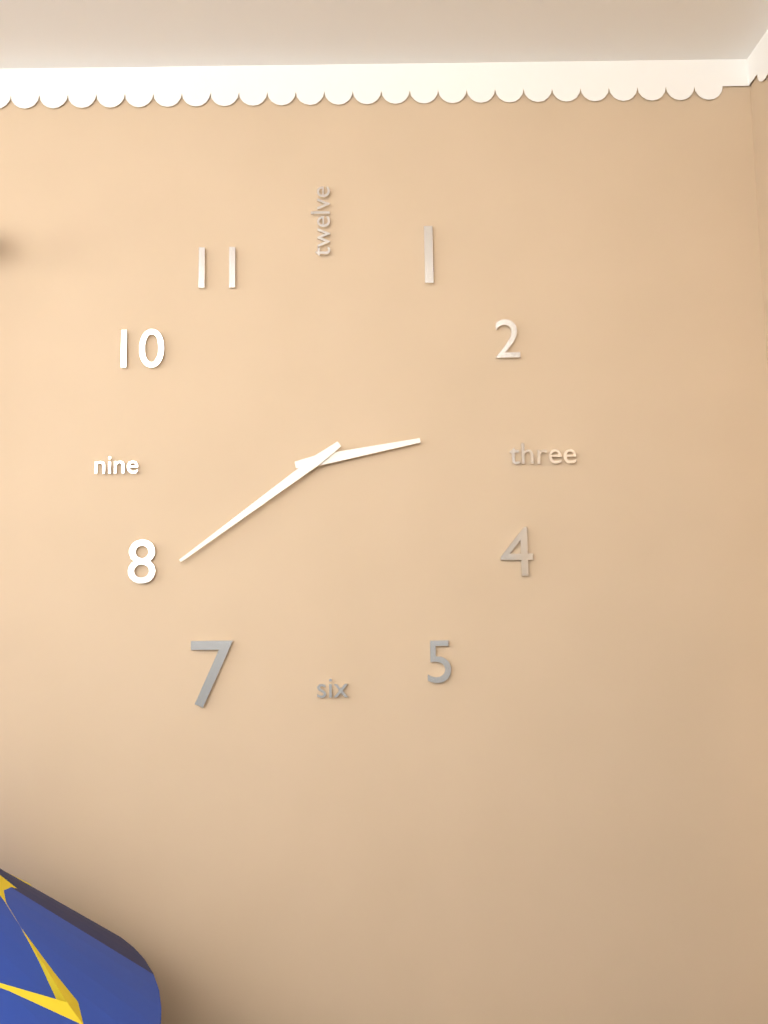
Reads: 2:39
